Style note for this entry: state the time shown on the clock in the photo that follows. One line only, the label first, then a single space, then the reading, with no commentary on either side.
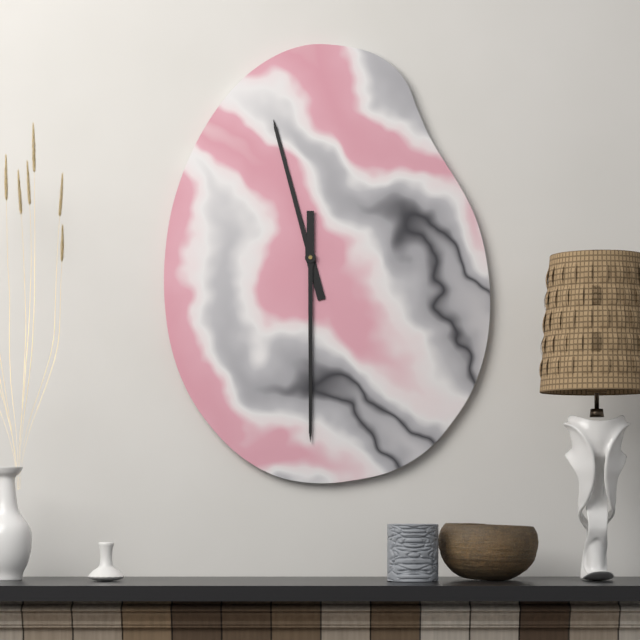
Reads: 11:30
